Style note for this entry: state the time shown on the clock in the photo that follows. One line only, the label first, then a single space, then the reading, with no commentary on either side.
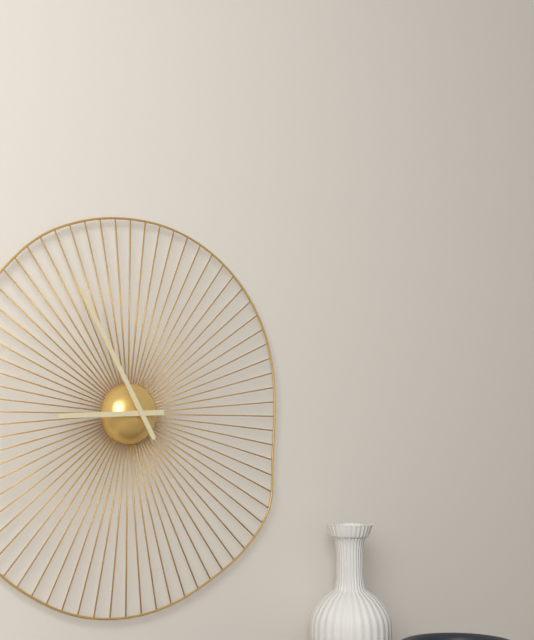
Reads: 8:55
